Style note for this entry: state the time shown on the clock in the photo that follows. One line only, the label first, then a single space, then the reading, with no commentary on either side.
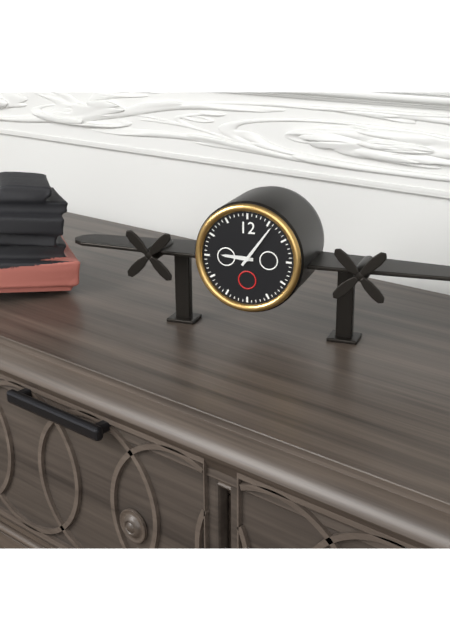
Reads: 9:06
